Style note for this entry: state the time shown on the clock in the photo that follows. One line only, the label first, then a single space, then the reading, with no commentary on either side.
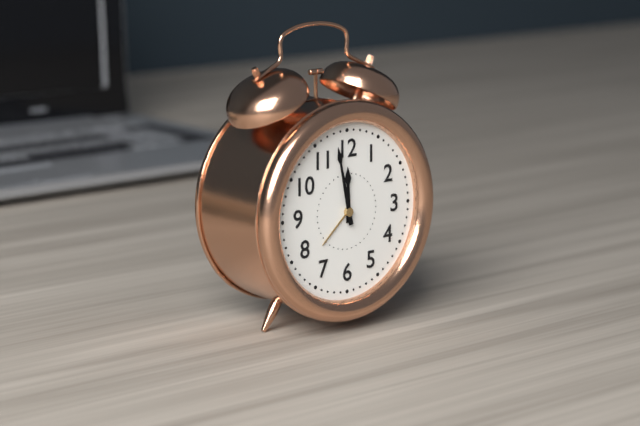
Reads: 11:58
